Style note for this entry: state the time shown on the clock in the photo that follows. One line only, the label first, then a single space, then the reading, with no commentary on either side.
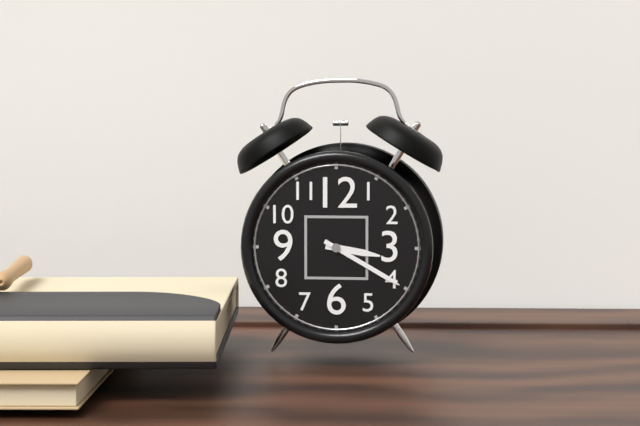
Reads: 3:20
